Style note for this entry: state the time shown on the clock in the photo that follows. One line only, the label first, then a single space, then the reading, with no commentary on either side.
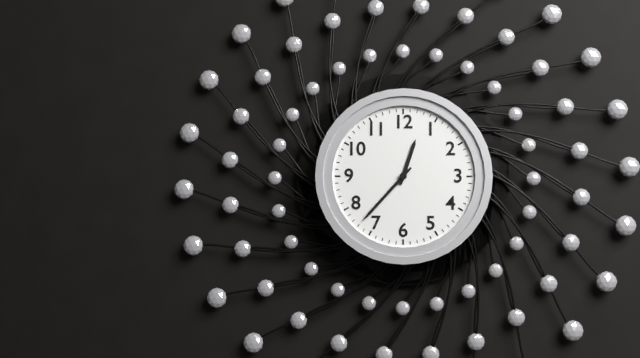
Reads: 12:37
